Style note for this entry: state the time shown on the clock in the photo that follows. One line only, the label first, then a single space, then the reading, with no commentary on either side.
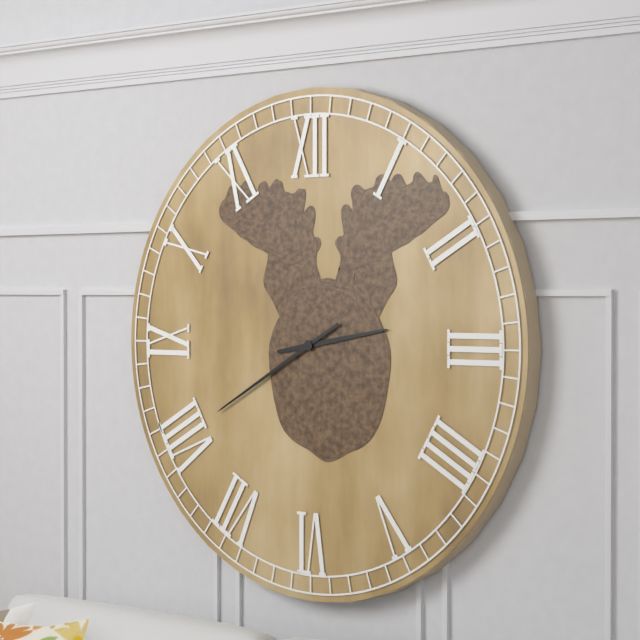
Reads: 2:40
